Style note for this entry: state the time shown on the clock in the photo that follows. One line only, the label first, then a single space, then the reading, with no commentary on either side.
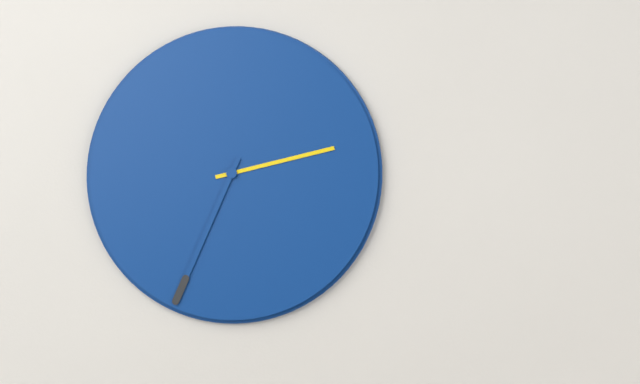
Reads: 2:34
